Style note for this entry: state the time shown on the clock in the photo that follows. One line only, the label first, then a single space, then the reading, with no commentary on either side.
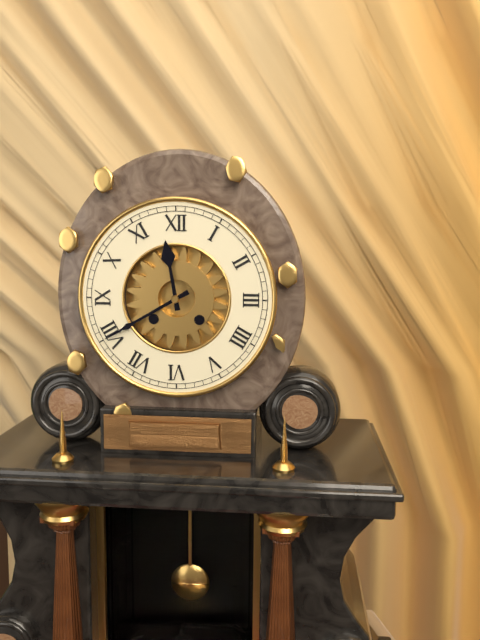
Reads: 11:40
